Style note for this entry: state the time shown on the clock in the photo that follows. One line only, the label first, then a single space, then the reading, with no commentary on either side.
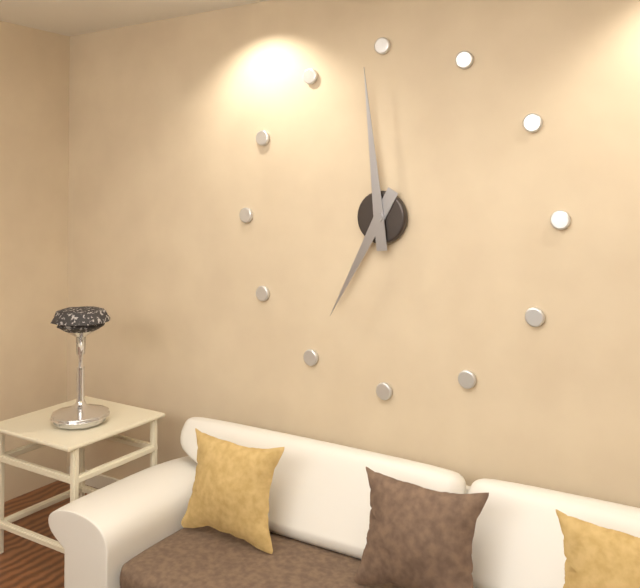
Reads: 6:59
